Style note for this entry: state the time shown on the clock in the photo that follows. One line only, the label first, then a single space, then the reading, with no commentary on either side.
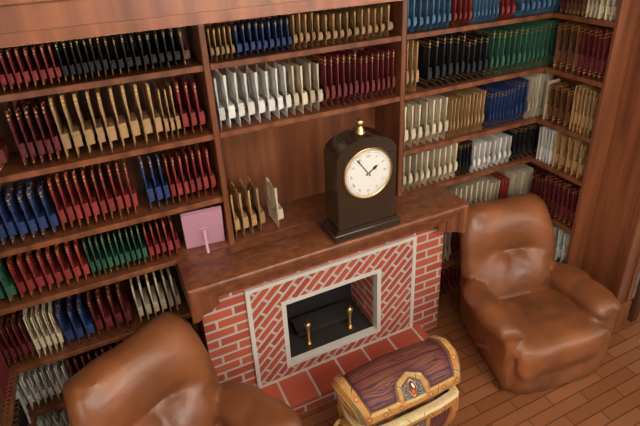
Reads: 1:54
